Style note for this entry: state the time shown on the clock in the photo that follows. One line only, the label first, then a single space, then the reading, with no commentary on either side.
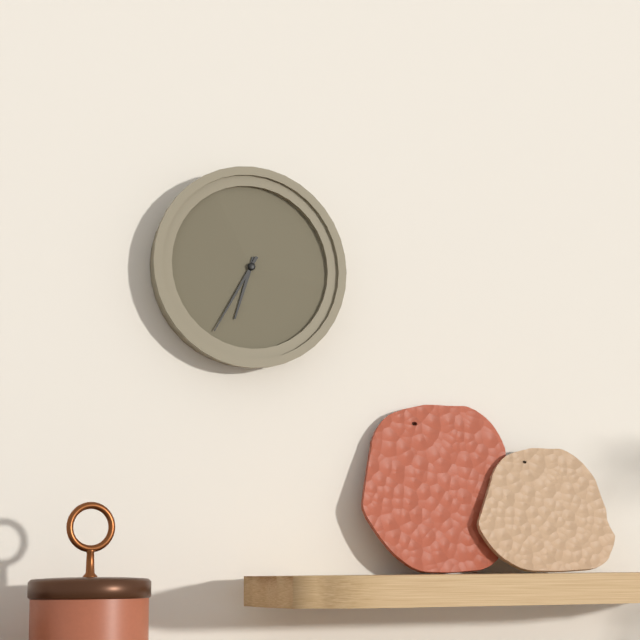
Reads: 6:35
